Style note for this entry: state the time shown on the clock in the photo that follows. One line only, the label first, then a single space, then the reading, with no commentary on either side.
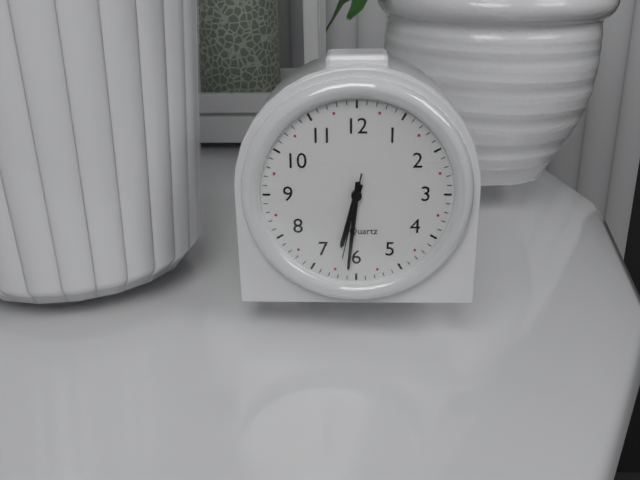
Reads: 6:31:32
